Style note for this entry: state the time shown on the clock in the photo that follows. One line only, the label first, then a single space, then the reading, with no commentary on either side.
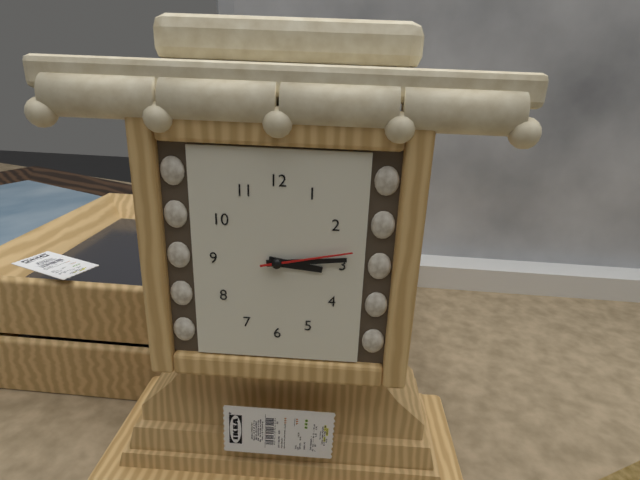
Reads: 3:14:13
